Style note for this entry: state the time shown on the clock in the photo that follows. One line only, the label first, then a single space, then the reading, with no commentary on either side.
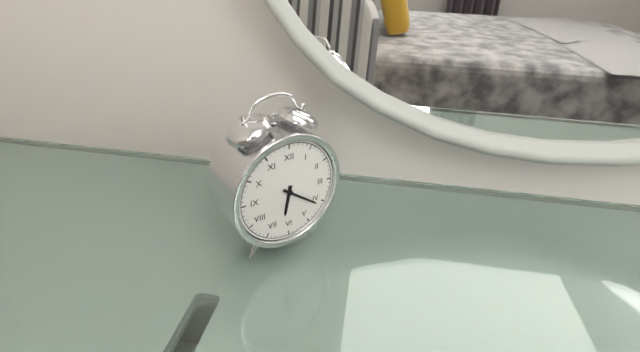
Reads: 6:21
